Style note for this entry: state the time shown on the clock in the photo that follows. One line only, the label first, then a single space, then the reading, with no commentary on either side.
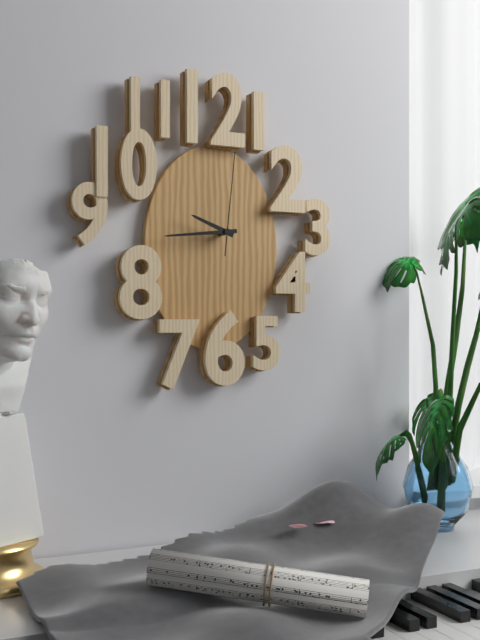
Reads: 9:44:01
